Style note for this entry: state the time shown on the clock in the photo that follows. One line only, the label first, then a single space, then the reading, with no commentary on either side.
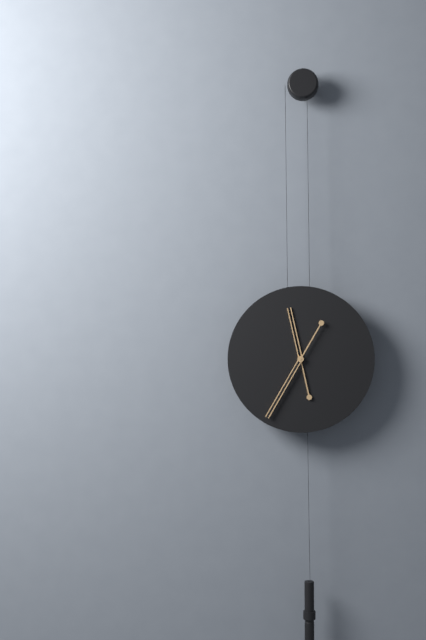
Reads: 11:35
